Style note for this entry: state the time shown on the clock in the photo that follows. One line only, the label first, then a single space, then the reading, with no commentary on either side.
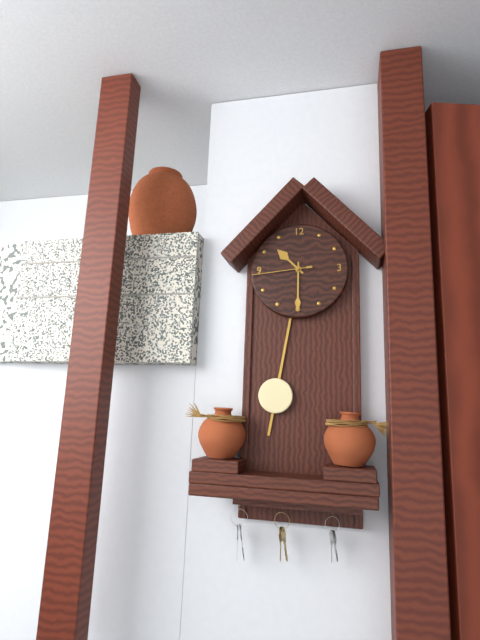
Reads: 10:30:44
